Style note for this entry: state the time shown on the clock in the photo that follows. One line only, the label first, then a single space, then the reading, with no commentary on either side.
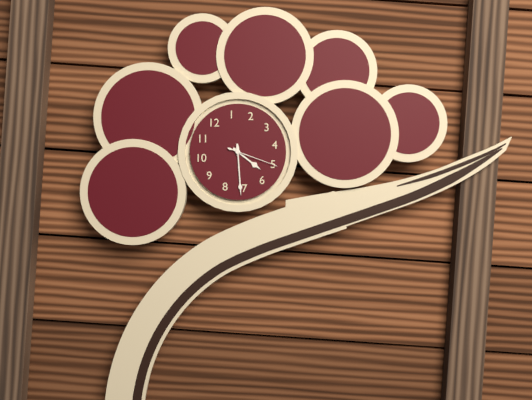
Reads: 5:36:25
